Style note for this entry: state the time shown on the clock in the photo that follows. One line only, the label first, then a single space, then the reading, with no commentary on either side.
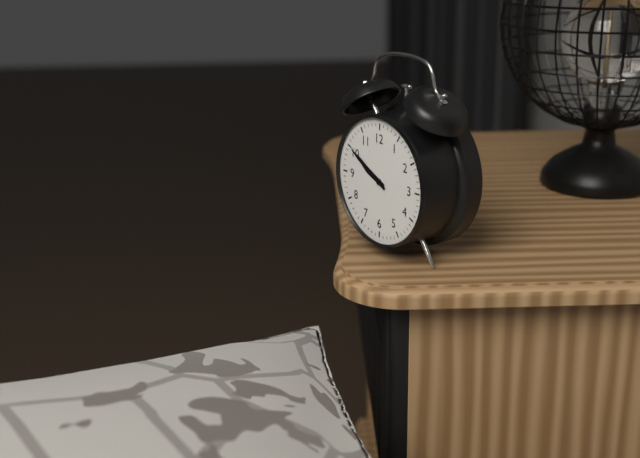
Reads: 9:50
